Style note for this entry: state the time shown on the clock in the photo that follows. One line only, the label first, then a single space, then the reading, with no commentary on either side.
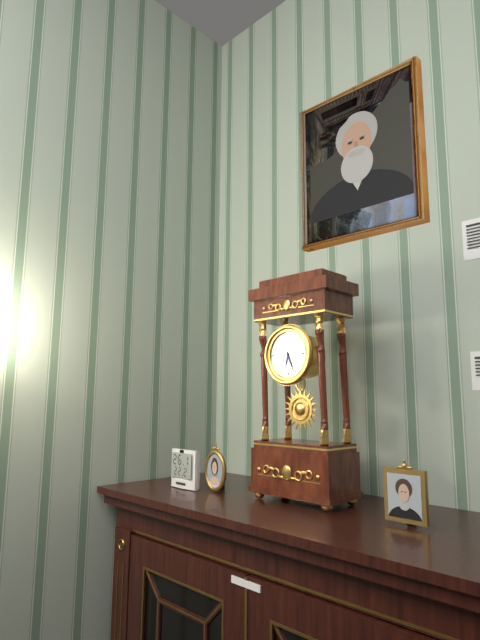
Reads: 6:26
